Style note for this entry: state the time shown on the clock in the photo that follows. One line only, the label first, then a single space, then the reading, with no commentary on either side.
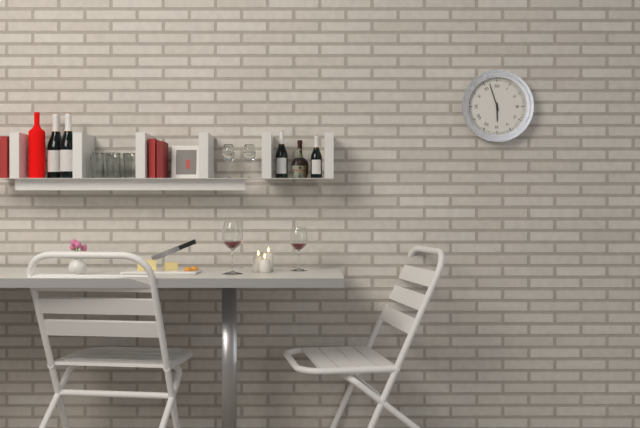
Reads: 5:57
